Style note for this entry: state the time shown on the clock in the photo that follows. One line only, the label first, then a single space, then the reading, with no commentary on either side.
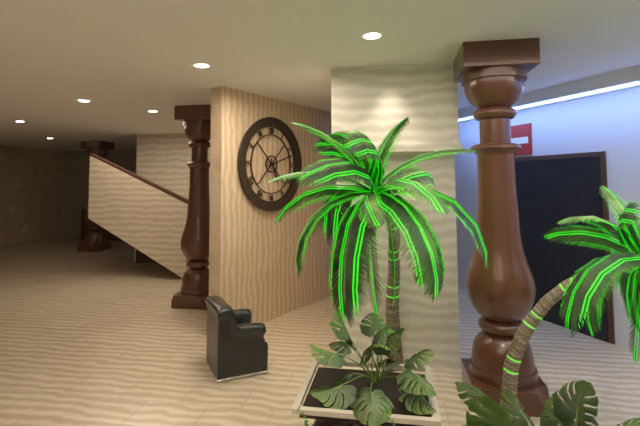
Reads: 5:12
